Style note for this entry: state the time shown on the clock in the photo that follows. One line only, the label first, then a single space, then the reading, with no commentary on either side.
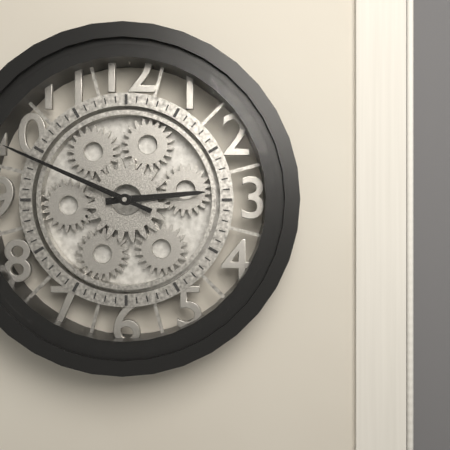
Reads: 2:49
